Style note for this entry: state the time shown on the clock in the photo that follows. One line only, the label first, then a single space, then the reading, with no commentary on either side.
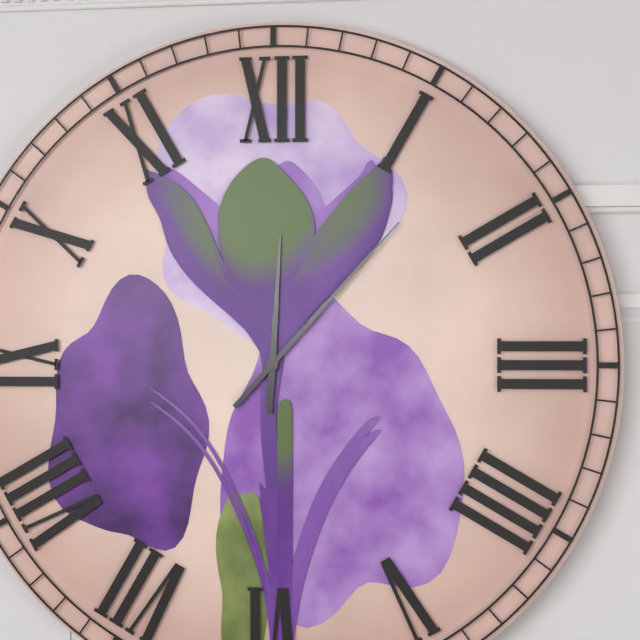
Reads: 12:07
